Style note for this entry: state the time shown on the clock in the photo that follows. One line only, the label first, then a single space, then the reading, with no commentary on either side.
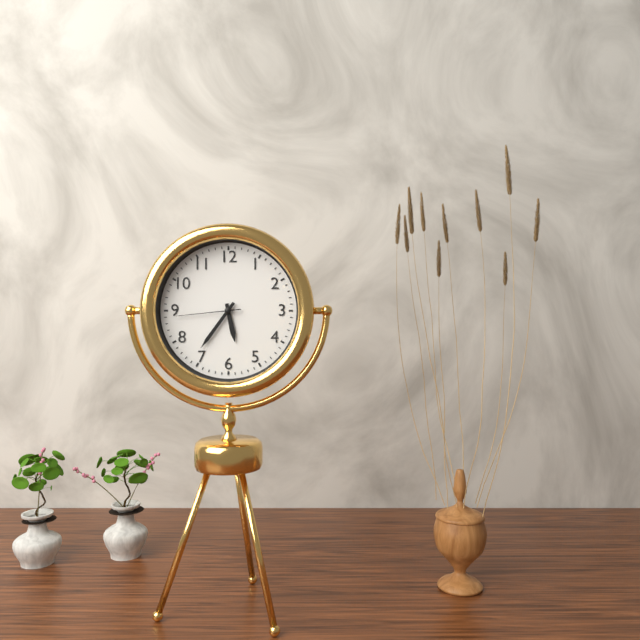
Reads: 5:36:44
